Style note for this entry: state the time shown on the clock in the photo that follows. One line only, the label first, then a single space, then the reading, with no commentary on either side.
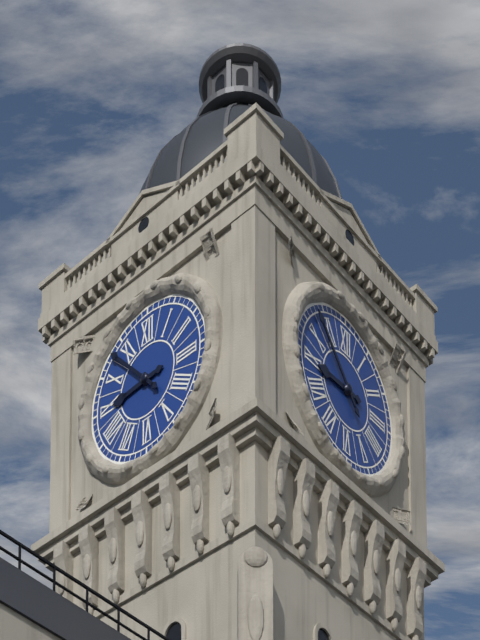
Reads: 8:53
